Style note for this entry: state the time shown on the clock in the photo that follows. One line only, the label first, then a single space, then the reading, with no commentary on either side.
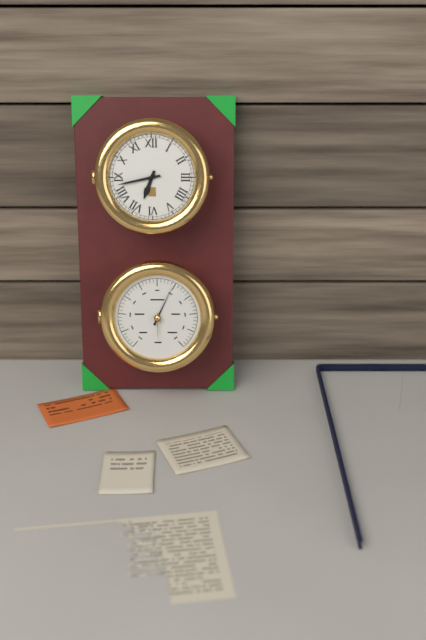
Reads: 6:43
